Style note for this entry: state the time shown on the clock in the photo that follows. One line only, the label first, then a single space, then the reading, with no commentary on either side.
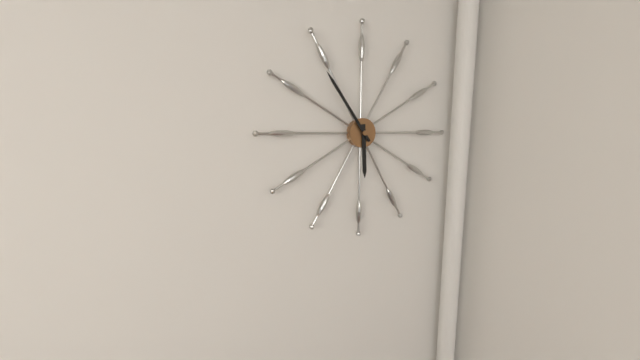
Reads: 5:54
